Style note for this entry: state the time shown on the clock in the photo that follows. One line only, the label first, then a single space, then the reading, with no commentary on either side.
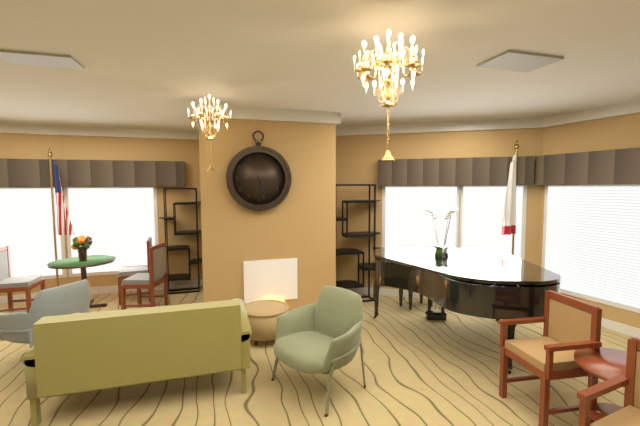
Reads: 5:28
